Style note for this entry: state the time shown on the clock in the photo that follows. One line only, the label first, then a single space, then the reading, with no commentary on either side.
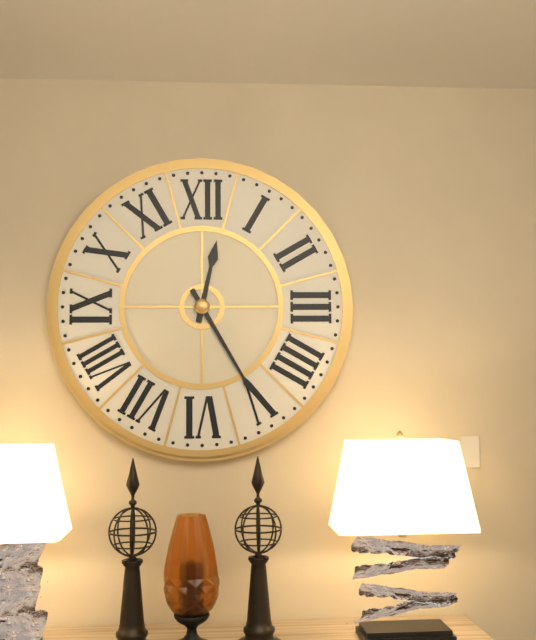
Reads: 12:25
